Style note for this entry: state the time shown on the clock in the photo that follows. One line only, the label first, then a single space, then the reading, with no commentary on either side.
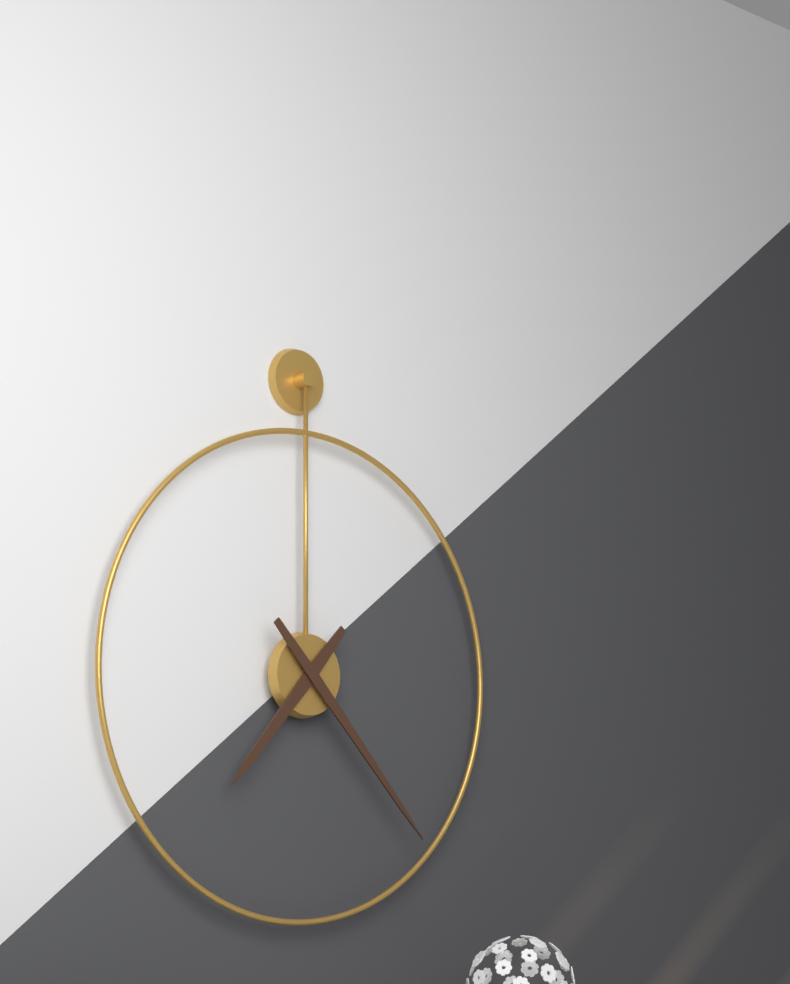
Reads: 7:23
